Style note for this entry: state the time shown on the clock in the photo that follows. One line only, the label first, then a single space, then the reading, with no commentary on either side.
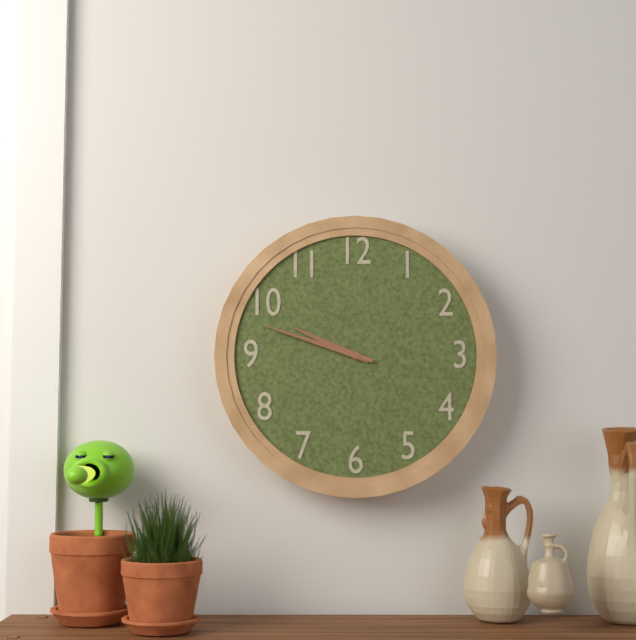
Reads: 9:48
